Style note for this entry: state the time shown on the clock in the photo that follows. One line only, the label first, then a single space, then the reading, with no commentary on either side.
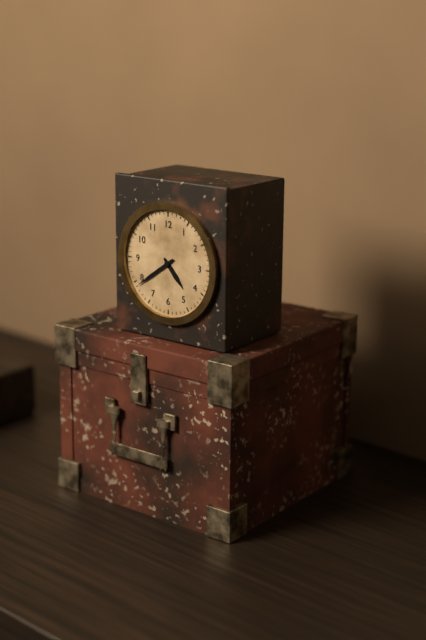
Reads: 4:39
